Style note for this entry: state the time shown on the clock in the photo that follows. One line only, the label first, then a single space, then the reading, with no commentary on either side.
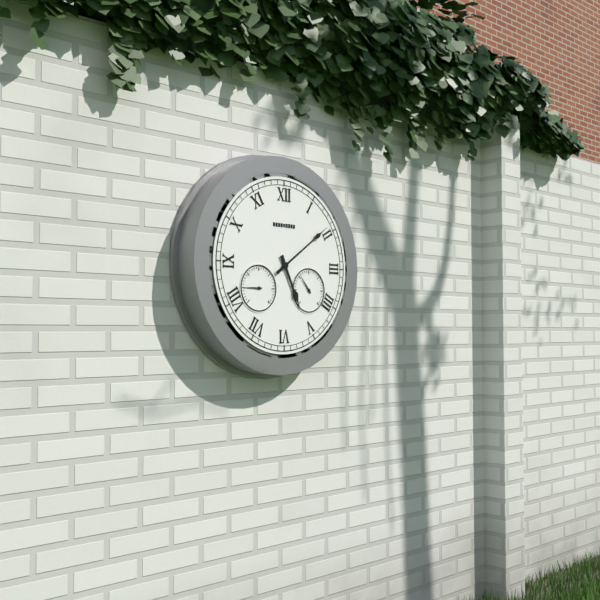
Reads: 5:09
